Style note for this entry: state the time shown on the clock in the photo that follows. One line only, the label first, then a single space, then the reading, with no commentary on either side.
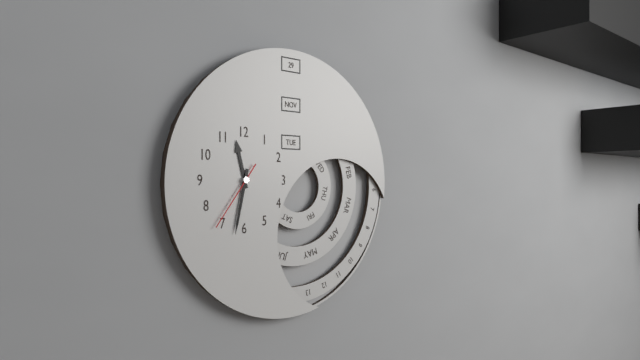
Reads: 11:32:36
